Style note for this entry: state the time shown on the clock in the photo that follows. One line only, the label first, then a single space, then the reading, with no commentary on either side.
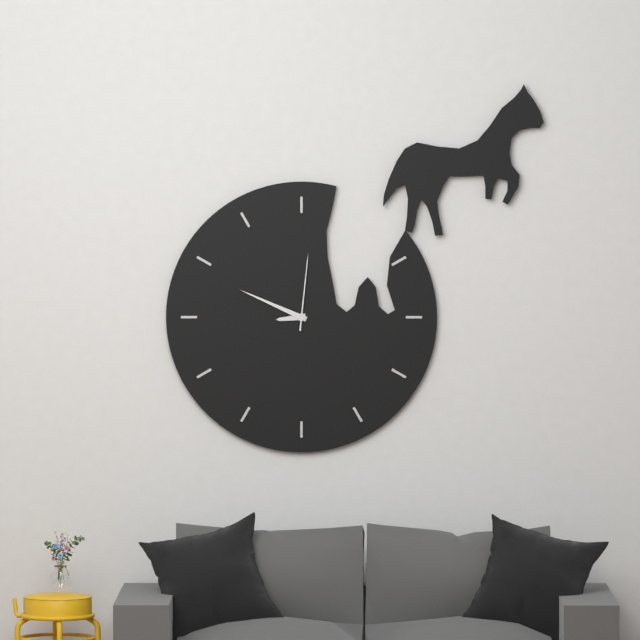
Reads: 8:49:01
